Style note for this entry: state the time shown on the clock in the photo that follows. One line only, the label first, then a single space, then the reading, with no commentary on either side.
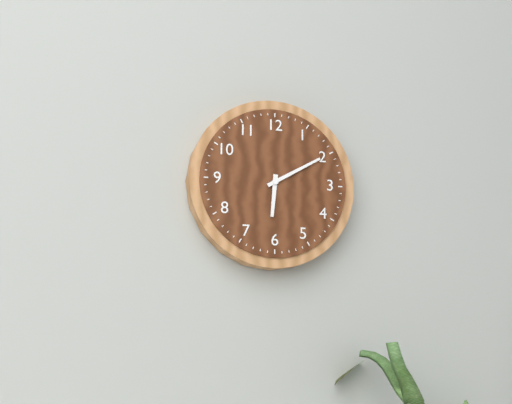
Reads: 6:10
